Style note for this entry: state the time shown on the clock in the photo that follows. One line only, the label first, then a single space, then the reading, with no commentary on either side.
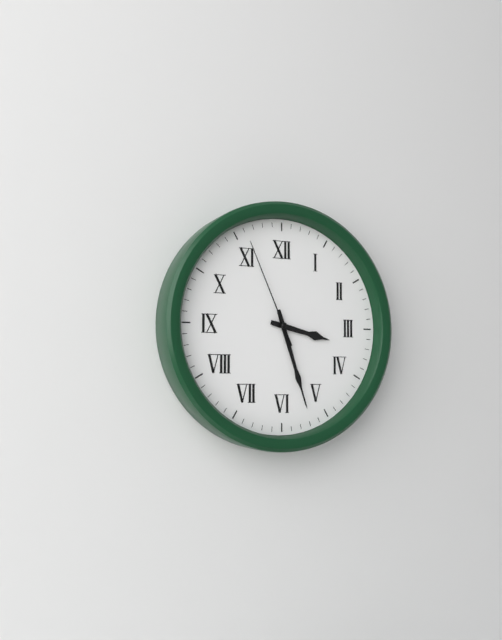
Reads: 3:27:56
